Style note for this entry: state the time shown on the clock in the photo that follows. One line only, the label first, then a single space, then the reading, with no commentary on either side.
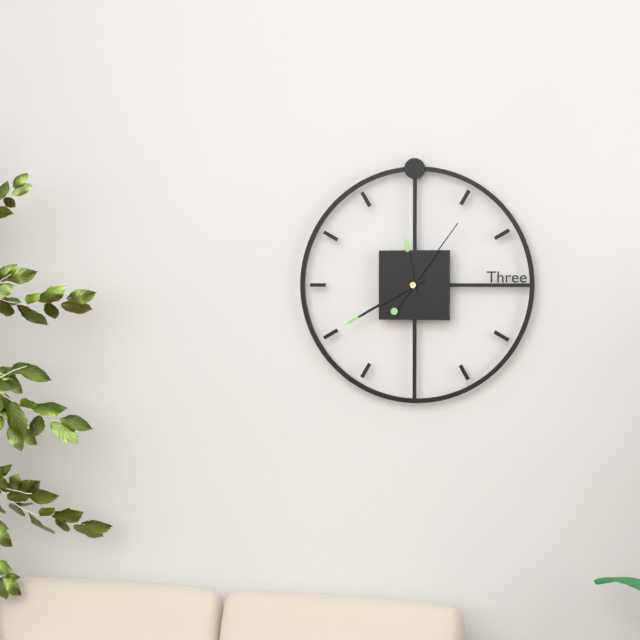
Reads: 11:40:06
